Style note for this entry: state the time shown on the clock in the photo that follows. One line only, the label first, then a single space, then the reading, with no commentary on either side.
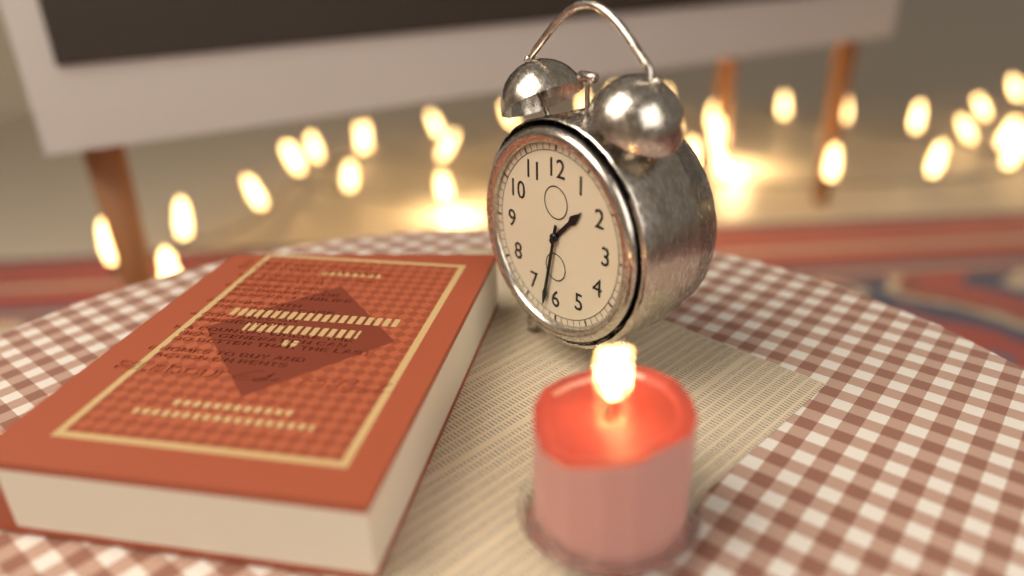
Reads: 1:32
